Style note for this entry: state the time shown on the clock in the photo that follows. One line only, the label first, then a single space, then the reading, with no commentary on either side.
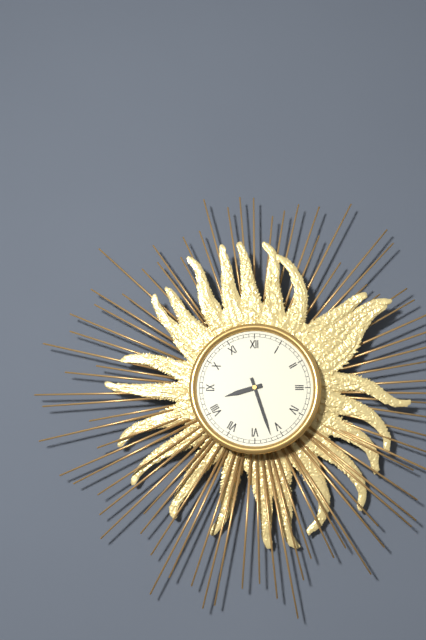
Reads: 8:27
